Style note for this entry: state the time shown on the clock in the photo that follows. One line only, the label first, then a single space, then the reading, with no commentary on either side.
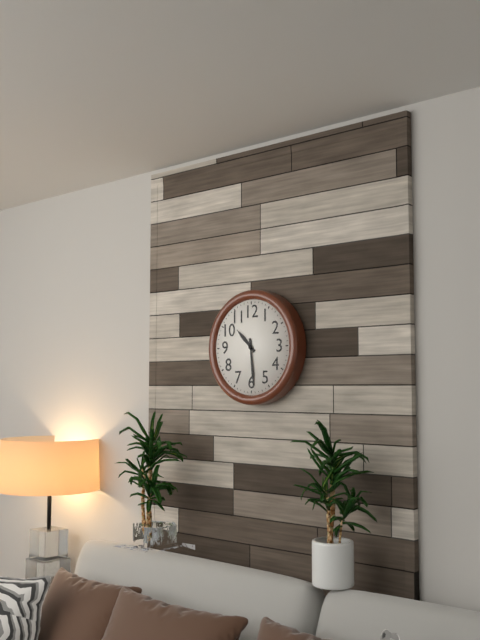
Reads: 10:29
